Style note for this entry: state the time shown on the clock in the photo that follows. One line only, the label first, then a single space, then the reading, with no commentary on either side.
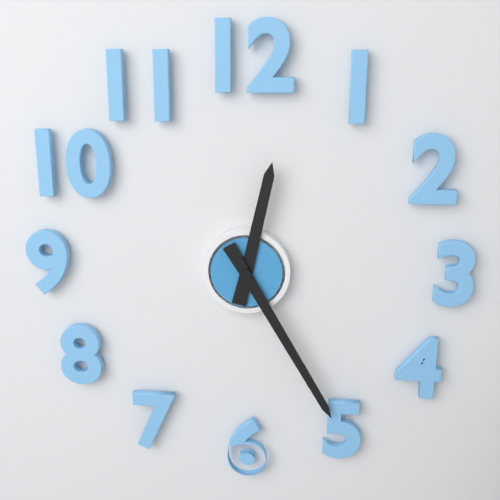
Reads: 12:25
